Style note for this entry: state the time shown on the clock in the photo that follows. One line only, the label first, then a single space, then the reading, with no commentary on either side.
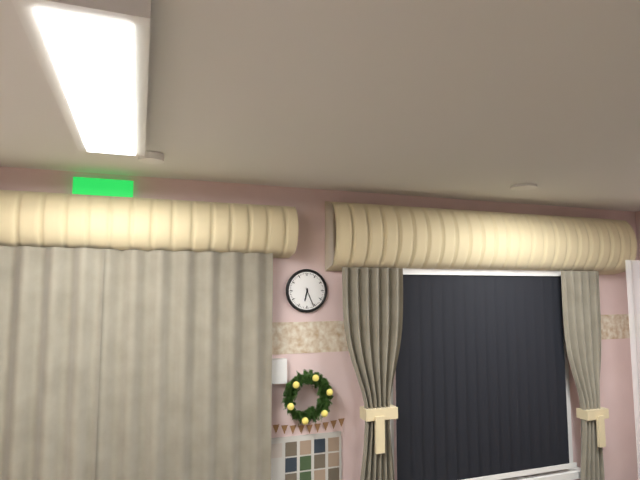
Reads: 6:26
